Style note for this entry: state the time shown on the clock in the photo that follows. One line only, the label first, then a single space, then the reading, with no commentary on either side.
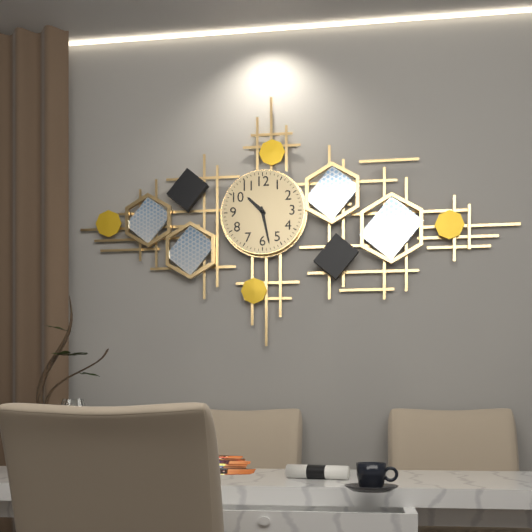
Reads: 10:28
